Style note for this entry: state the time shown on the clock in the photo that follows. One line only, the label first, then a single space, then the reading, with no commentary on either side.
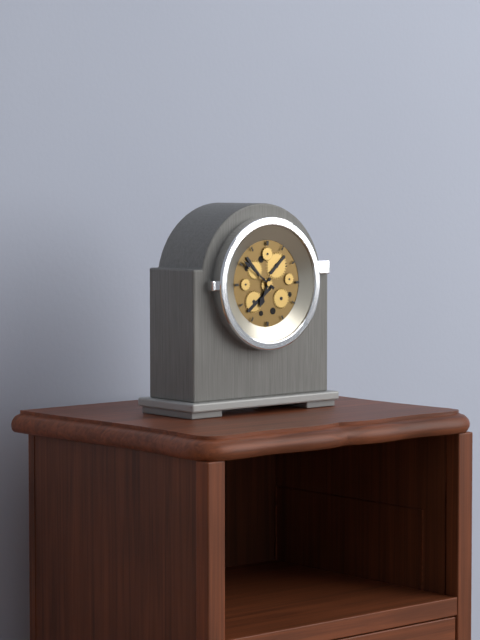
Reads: 6:51
